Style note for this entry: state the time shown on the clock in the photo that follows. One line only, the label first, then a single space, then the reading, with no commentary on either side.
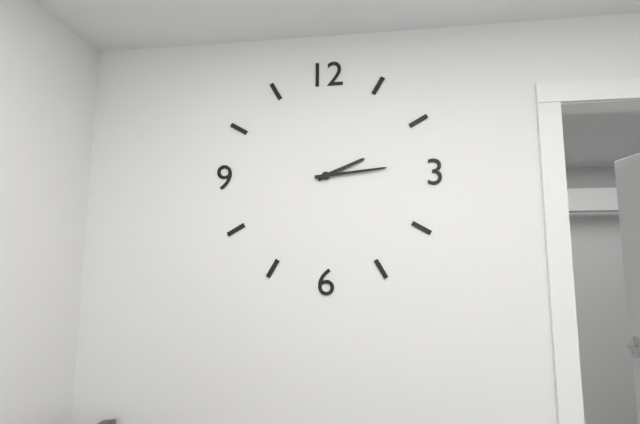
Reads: 2:14
